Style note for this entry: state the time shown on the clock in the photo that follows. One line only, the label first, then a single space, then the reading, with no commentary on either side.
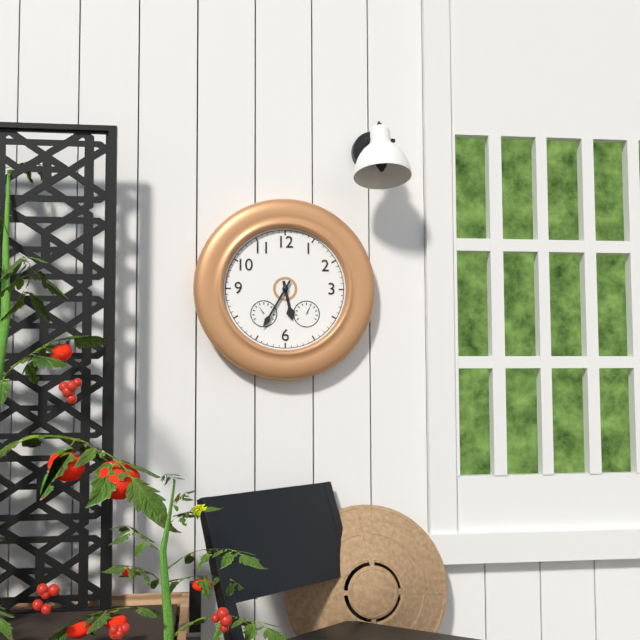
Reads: 5:35
